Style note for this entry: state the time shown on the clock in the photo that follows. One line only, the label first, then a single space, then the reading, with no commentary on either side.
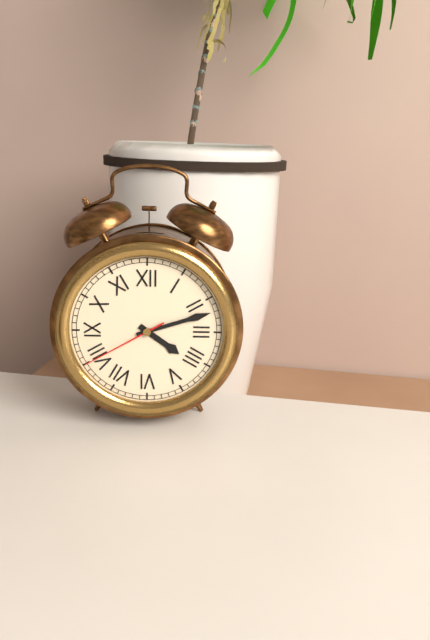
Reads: 4:12:40
